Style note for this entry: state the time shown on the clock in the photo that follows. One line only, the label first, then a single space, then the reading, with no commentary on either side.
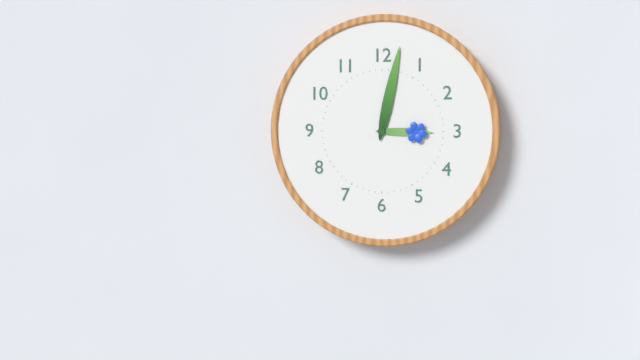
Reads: 3:02
